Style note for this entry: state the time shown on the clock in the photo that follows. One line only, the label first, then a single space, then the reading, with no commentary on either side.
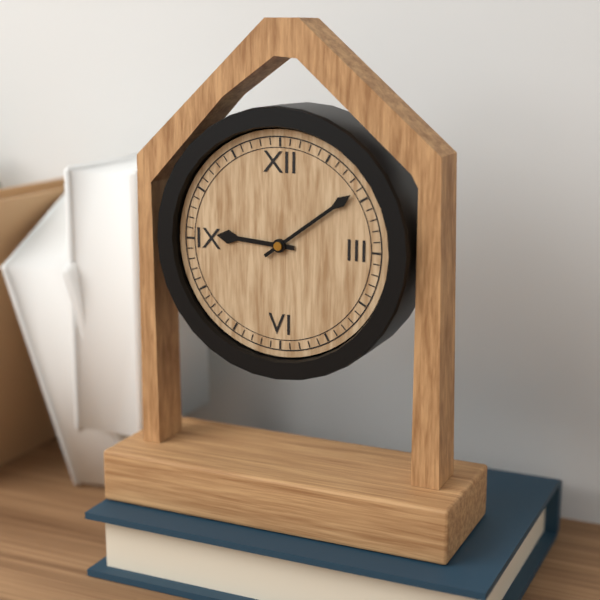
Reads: 9:09
